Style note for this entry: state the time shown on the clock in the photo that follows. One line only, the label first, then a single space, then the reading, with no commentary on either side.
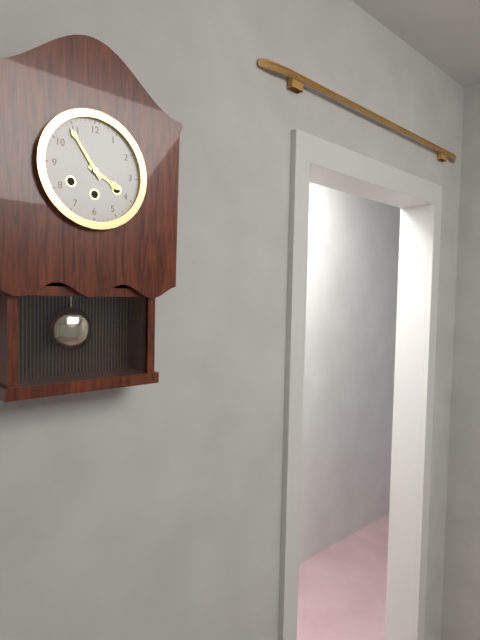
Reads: 3:54
